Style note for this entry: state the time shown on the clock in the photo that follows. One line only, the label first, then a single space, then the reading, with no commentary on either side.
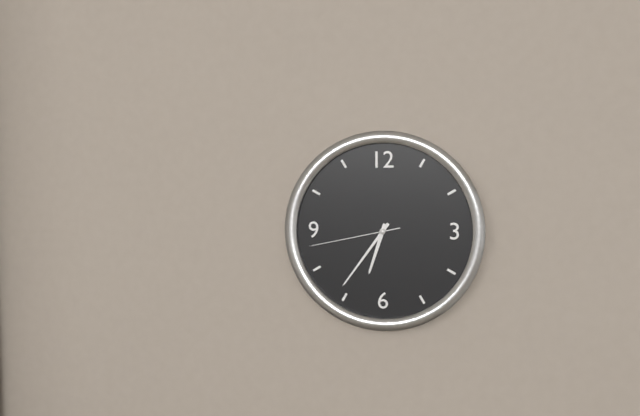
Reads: 6:36:43
